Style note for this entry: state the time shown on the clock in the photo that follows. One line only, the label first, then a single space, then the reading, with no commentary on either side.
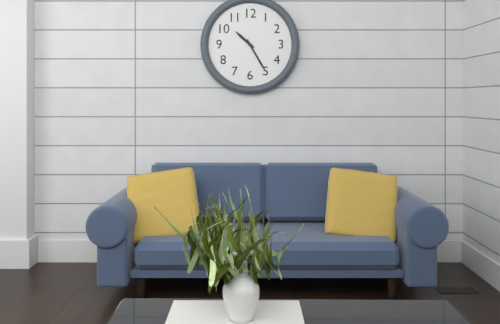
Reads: 10:25
